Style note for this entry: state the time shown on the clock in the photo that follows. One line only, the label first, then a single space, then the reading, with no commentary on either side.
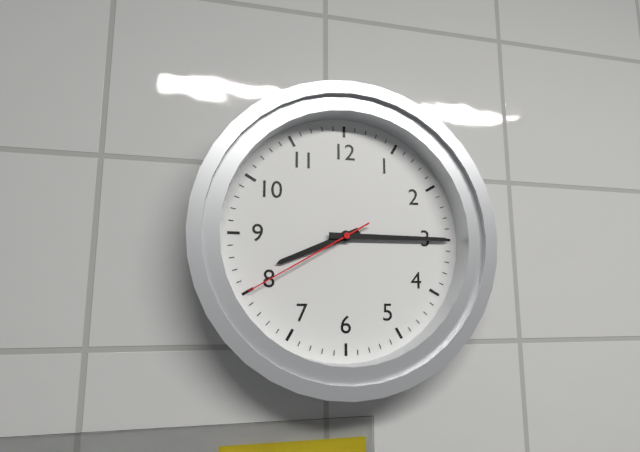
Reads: 8:15:40
